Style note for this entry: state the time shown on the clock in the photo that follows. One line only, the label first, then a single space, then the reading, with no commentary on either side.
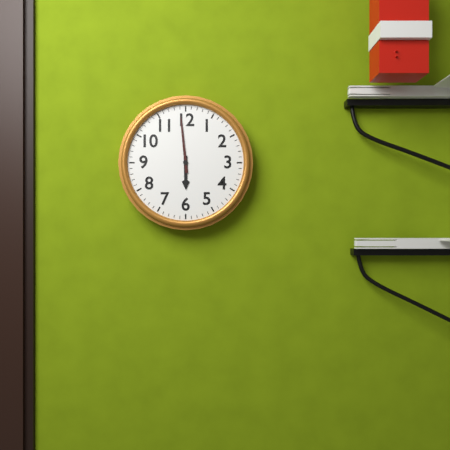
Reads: 5:59
